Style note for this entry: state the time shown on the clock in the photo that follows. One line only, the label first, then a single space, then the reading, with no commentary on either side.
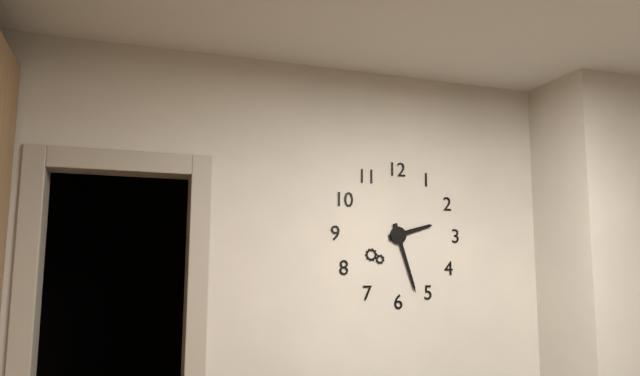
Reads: 2:27
